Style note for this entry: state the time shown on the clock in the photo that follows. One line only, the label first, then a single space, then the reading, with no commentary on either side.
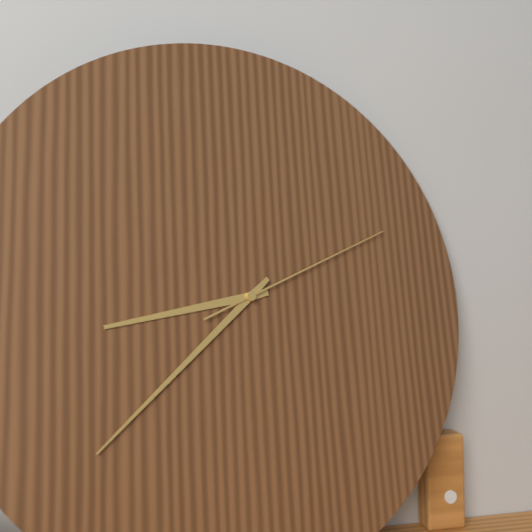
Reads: 8:38:11
